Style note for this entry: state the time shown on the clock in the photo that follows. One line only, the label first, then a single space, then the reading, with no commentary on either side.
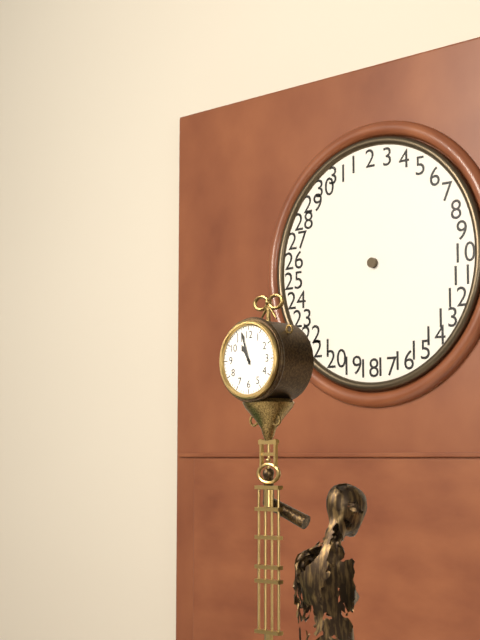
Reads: 10:57
